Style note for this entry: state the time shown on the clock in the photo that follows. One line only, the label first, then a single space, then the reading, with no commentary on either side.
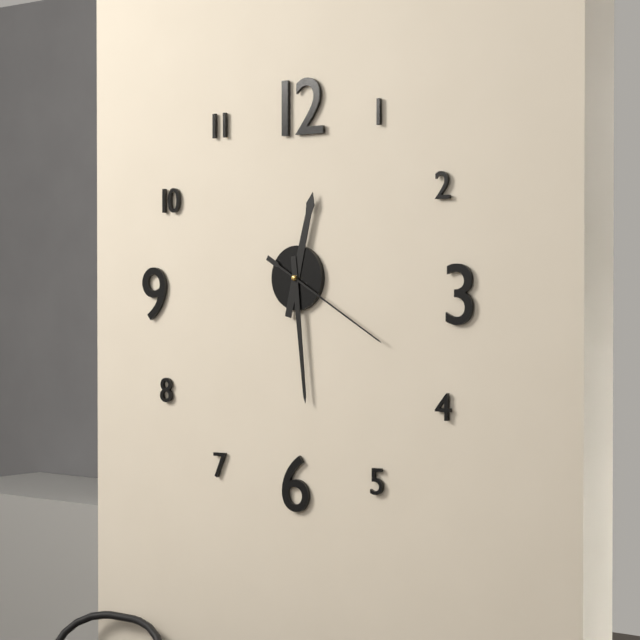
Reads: 12:29:20
